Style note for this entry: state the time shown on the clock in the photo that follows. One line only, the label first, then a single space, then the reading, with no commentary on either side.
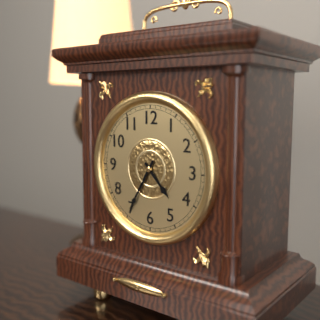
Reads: 4:35
